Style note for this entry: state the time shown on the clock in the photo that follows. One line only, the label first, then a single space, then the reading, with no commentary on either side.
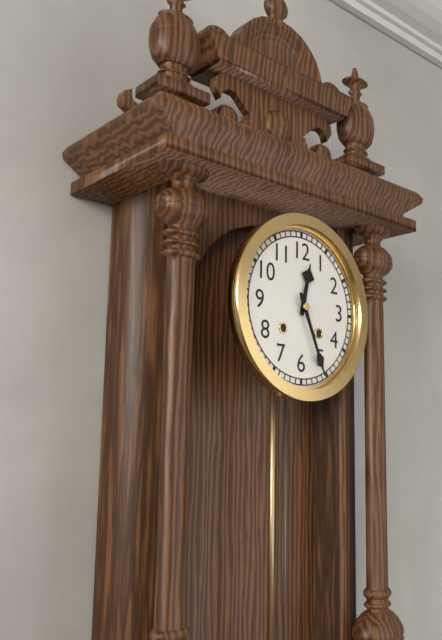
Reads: 12:26
